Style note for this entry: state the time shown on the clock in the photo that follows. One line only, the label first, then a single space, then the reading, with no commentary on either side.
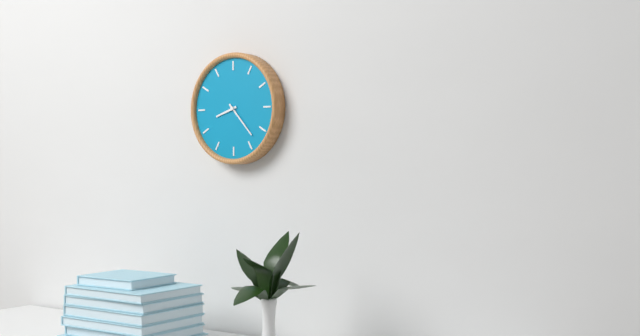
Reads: 8:23
